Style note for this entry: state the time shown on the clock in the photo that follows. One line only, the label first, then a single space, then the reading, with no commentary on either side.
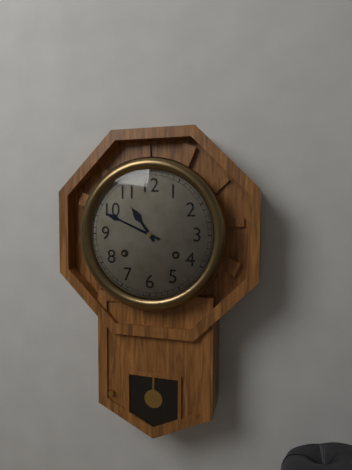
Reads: 10:49
